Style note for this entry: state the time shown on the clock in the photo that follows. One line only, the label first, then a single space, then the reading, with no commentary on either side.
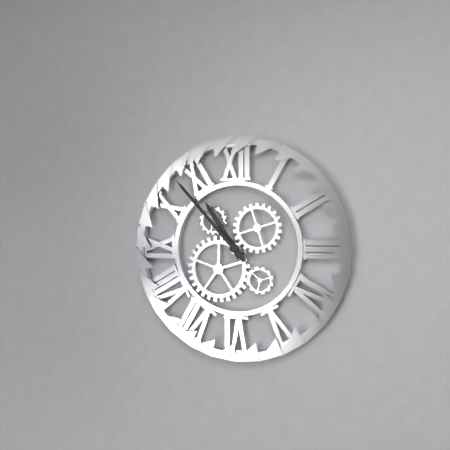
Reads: 10:53
